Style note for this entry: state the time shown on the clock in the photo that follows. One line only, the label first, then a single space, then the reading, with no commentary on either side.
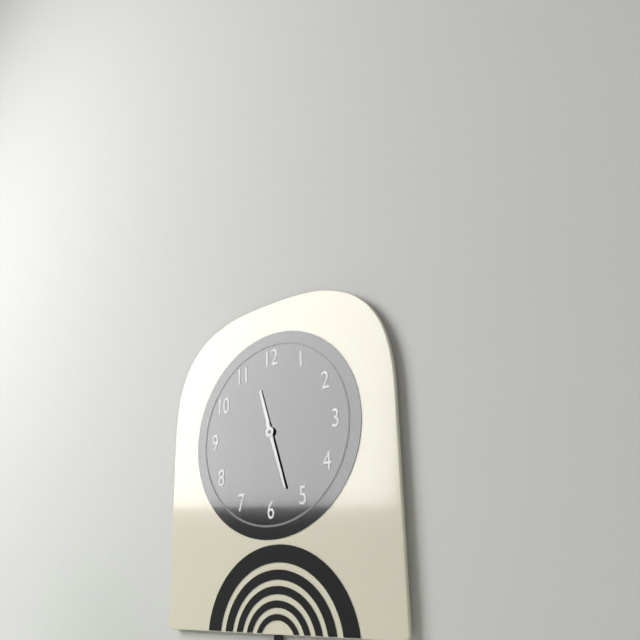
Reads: 11:27
